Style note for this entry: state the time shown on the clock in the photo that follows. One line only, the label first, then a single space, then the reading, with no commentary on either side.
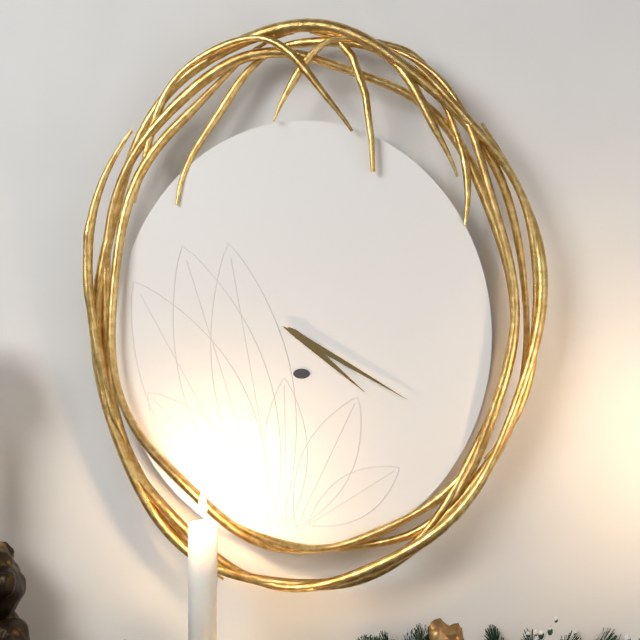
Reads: 4:20
